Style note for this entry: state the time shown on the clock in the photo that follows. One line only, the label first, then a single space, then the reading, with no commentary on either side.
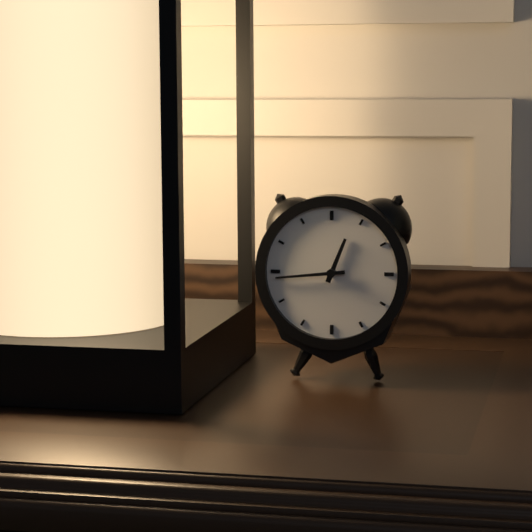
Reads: 12:44
